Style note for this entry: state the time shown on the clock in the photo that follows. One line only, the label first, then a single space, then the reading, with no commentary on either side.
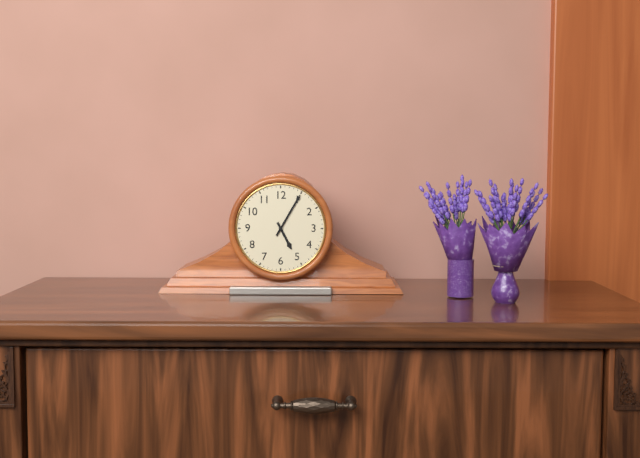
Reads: 5:05
